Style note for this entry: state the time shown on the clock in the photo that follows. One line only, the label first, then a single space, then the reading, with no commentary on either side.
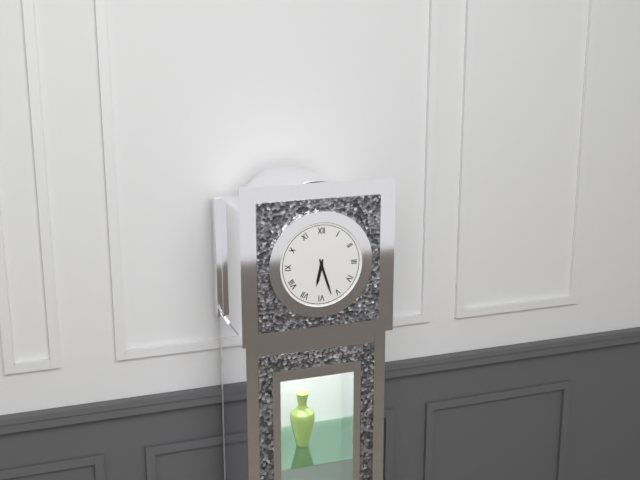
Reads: 6:27
